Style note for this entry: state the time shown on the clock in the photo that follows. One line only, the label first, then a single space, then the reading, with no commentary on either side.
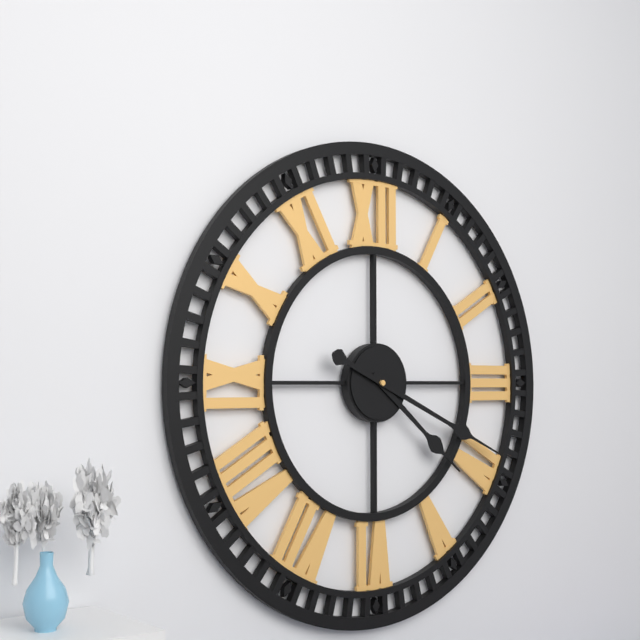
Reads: 4:19
